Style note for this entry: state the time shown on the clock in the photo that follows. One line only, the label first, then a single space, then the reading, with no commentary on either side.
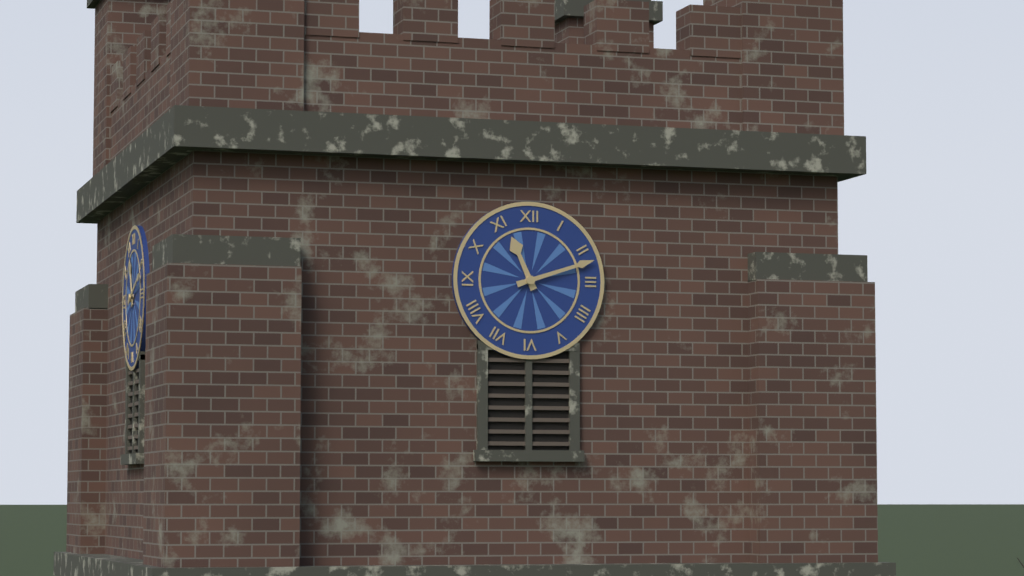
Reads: 11:12
